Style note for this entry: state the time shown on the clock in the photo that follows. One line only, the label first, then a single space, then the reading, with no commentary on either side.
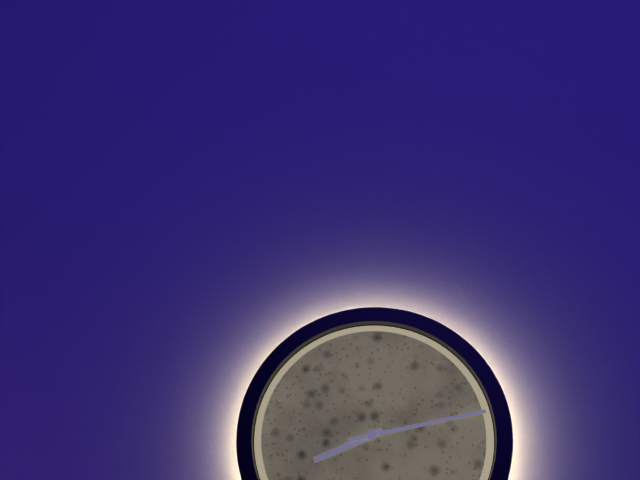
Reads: 8:13
